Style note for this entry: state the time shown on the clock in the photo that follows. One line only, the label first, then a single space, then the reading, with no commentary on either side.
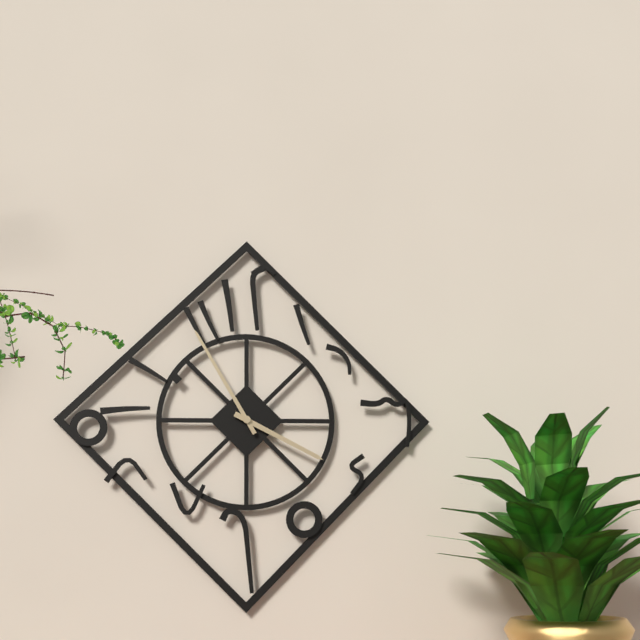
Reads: 3:55
